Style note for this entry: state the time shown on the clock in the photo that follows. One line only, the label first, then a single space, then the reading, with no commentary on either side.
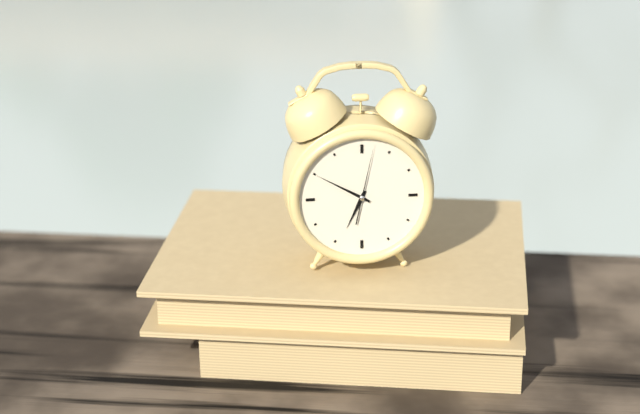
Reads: 6:50:02
